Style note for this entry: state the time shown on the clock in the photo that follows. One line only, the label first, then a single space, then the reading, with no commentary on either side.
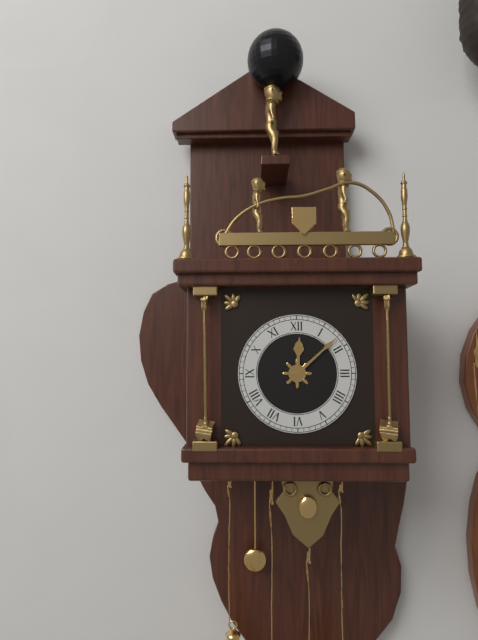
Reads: 12:08
